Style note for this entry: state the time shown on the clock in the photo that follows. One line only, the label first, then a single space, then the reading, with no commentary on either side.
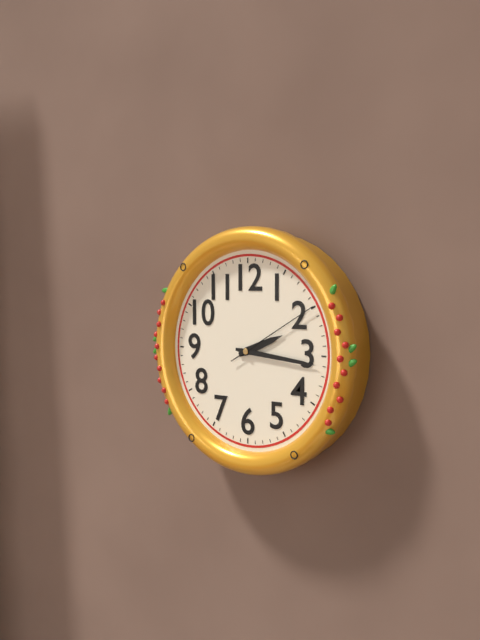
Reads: 2:16:10
